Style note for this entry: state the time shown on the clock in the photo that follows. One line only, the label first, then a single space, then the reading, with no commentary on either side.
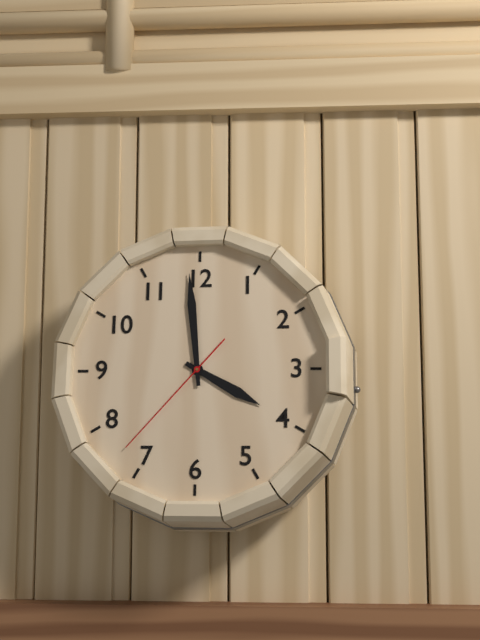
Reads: 3:59:37
